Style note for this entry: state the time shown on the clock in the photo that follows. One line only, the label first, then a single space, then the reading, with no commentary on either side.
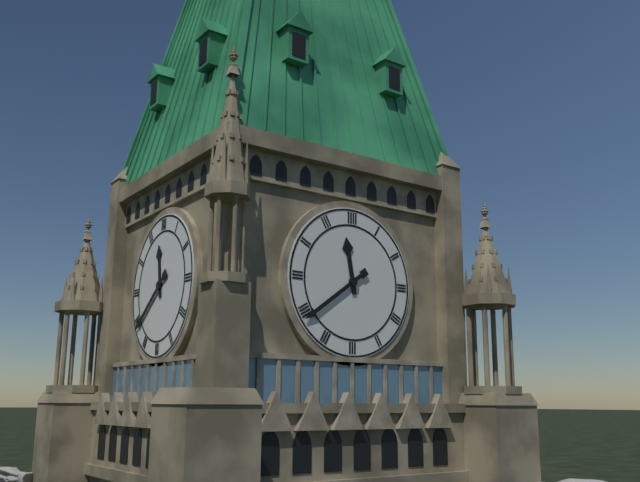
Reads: 11:39
